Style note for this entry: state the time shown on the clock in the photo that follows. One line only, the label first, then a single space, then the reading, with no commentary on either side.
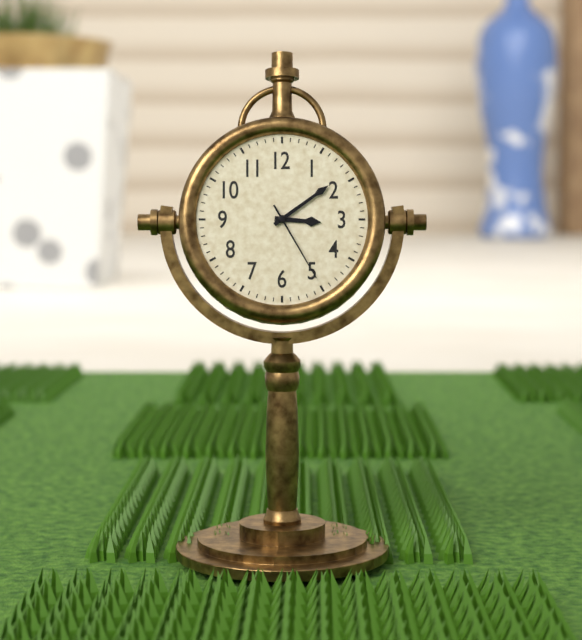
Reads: 3:09:25
